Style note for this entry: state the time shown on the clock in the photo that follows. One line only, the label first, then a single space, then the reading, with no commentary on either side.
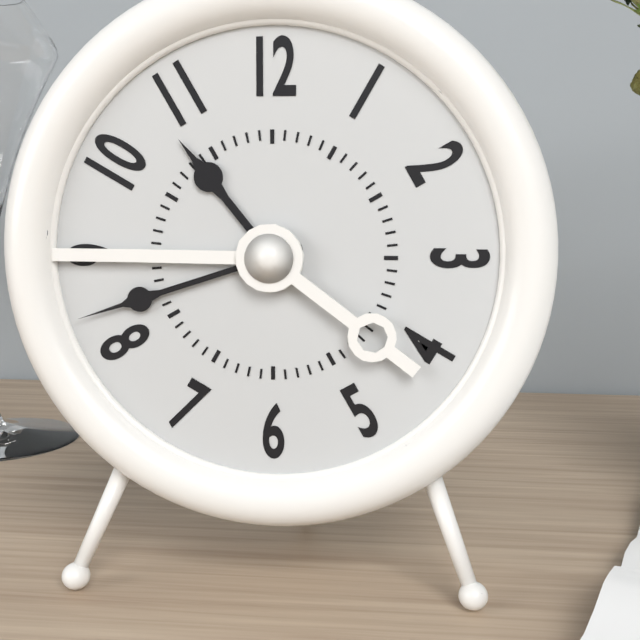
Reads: 10:42
